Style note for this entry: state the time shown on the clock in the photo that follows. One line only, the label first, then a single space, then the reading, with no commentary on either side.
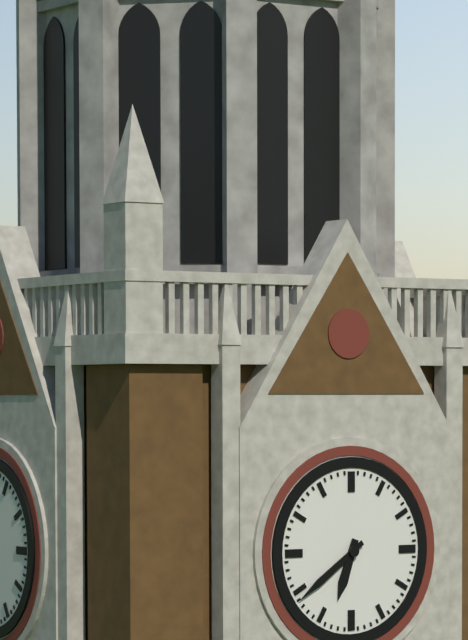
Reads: 6:39
